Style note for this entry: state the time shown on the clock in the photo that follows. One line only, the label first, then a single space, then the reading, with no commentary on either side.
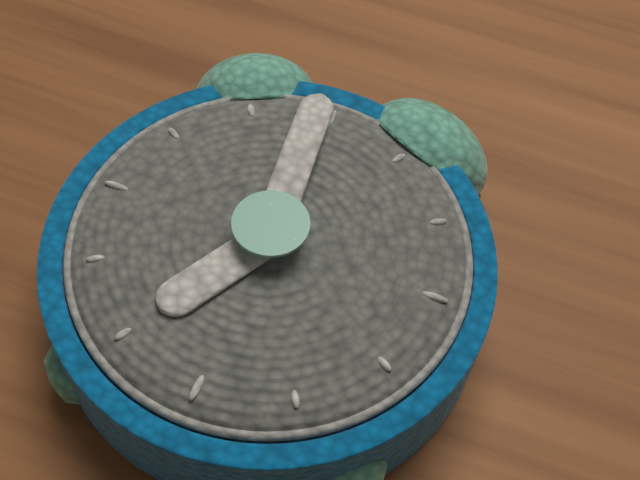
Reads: 6:59
